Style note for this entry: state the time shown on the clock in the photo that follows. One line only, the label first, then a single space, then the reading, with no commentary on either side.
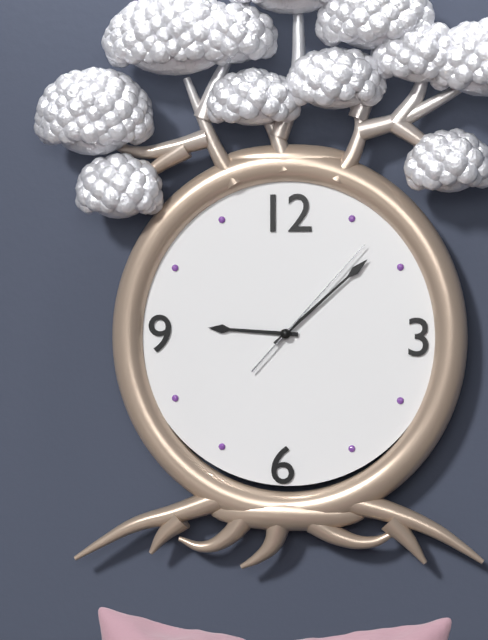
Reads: 9:08:07
